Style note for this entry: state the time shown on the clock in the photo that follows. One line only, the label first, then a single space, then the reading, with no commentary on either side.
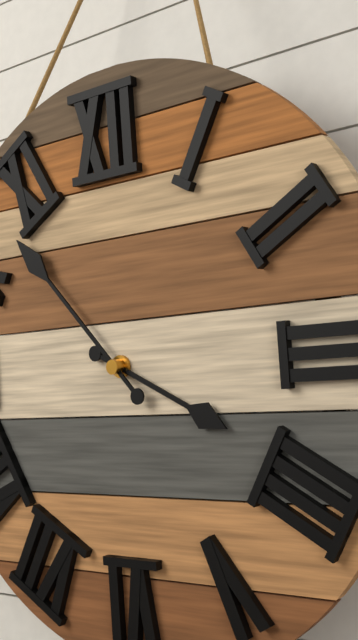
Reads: 3:53
